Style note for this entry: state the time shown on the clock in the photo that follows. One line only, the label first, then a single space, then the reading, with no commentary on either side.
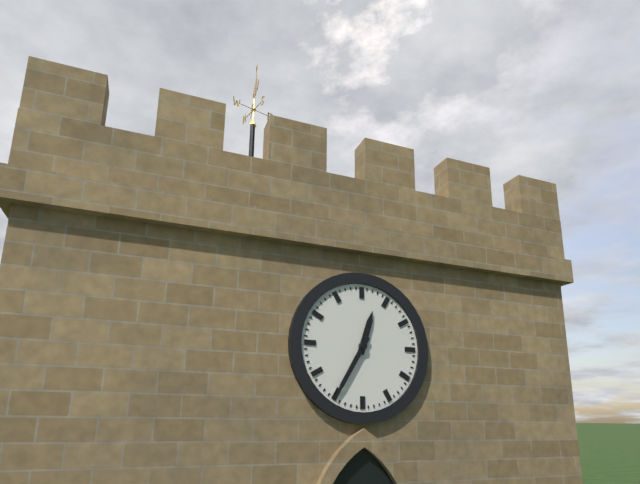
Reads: 12:35
